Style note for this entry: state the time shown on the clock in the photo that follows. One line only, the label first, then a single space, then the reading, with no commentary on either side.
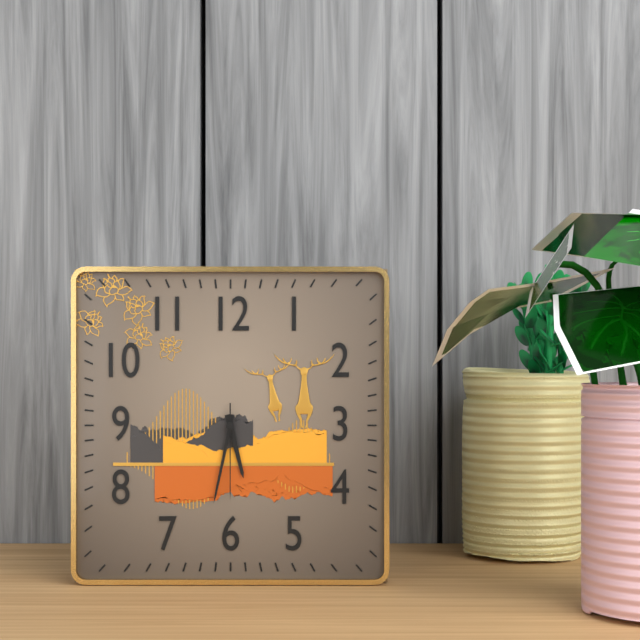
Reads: 5:32:30
